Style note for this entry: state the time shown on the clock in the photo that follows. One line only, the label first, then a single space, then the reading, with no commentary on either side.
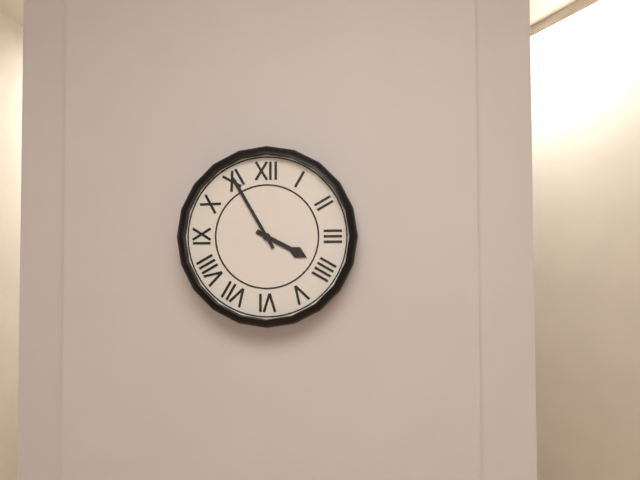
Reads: 3:55
